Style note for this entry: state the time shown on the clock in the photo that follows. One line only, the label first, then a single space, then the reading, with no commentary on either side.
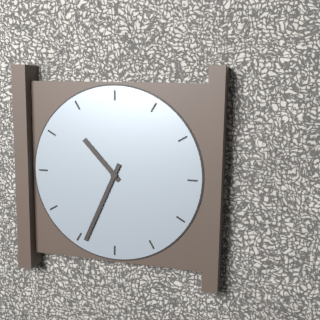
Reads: 10:34
